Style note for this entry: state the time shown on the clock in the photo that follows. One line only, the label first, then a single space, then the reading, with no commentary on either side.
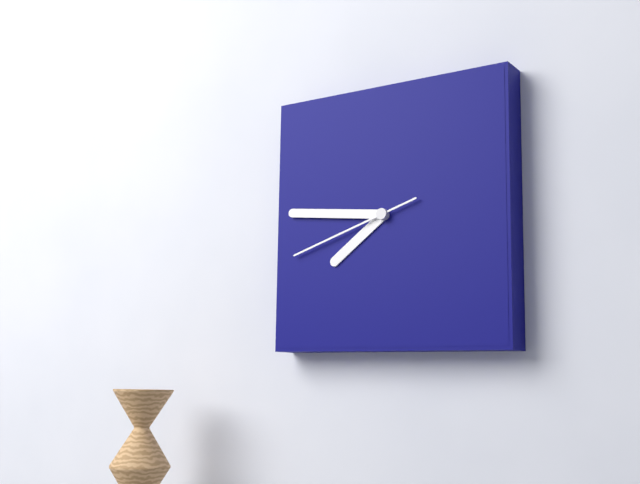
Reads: 7:46:42
